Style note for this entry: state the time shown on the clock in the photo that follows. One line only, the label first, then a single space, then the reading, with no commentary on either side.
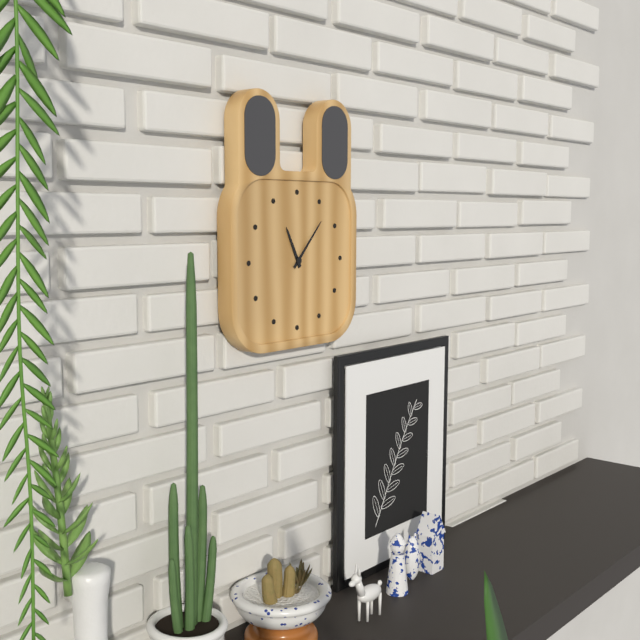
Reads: 11:07
